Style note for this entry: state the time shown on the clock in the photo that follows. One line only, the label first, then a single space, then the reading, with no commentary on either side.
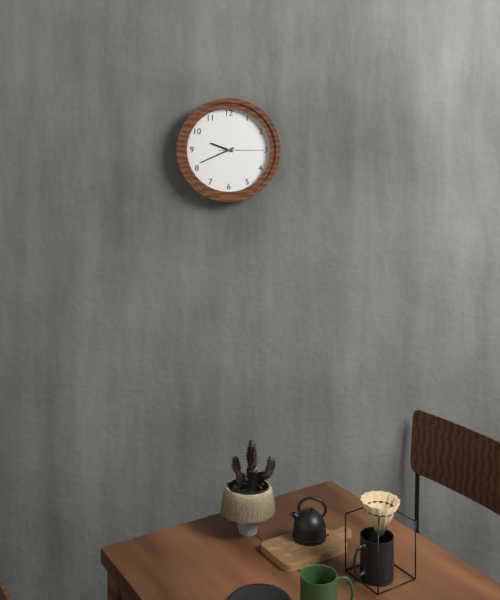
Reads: 9:41
